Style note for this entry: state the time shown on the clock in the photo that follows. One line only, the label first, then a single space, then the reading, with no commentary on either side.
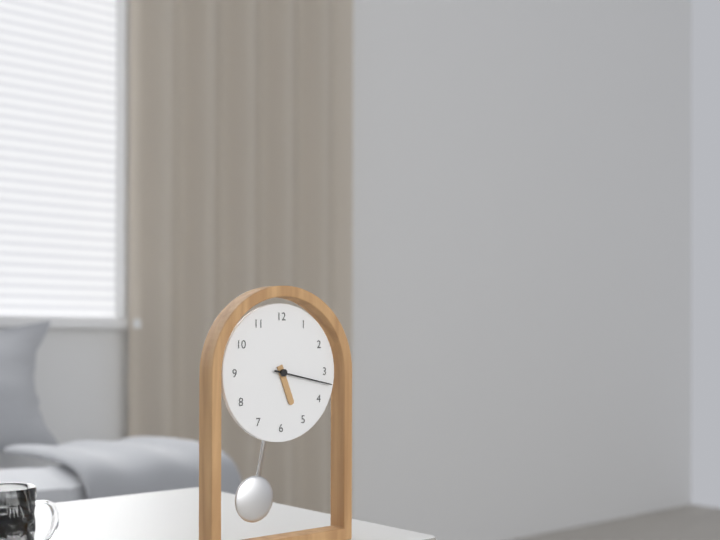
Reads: 5:17
